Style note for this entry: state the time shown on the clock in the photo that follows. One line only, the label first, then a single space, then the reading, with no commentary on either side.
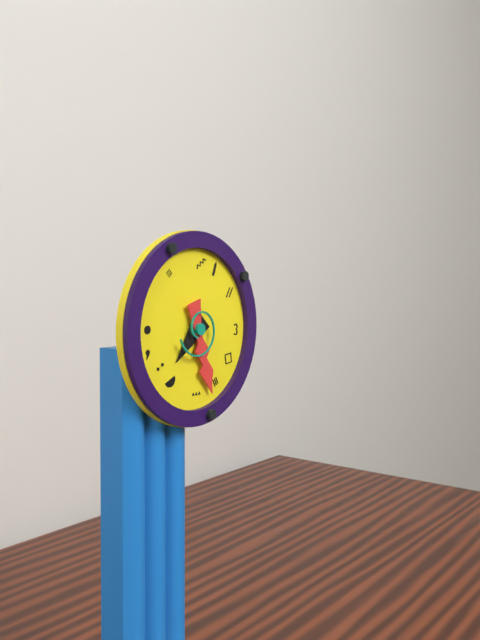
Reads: 7:27
